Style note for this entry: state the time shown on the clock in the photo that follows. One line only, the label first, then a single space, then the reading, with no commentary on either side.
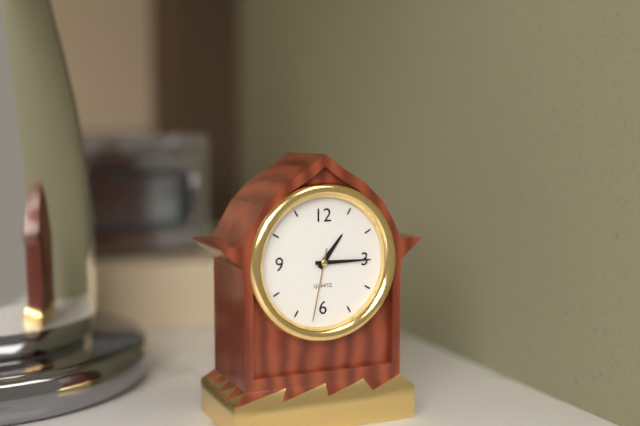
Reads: 1:15:32
